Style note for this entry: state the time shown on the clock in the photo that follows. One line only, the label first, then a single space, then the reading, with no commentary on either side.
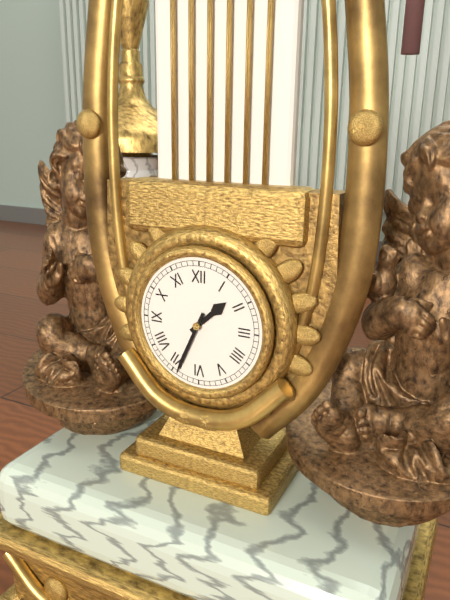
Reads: 1:34
